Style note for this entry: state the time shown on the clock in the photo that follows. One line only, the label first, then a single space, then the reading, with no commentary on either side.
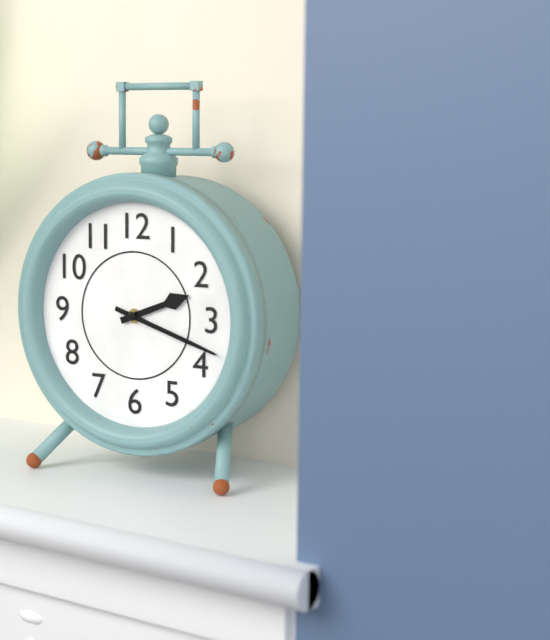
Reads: 2:18
